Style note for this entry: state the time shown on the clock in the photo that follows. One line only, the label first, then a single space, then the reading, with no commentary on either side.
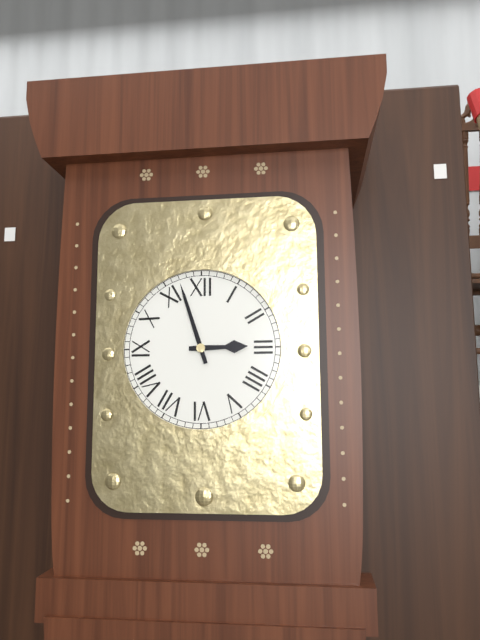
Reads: 2:57
